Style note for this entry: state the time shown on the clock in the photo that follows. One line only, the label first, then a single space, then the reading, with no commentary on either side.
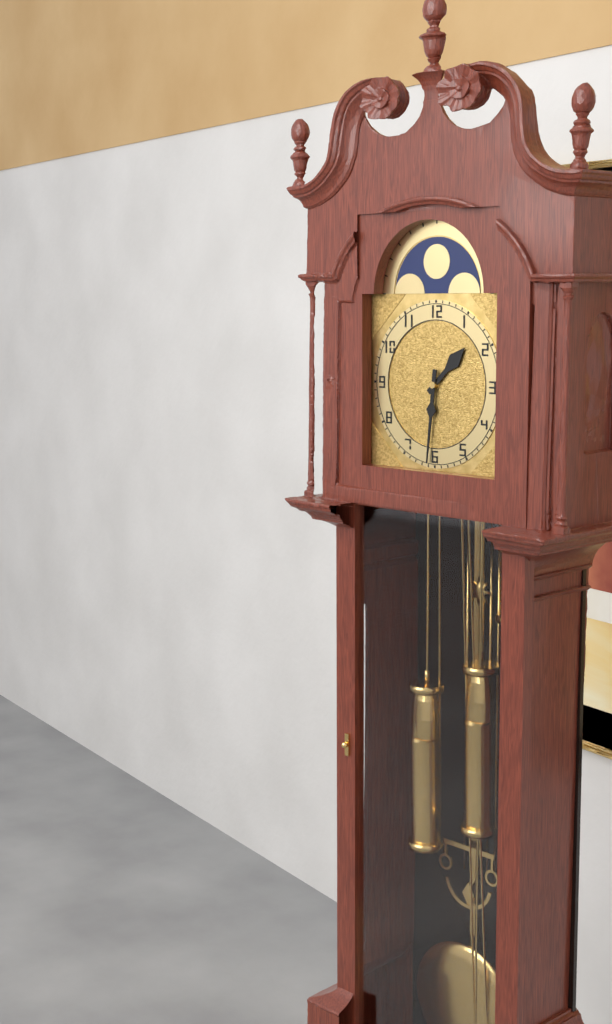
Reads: 1:31
